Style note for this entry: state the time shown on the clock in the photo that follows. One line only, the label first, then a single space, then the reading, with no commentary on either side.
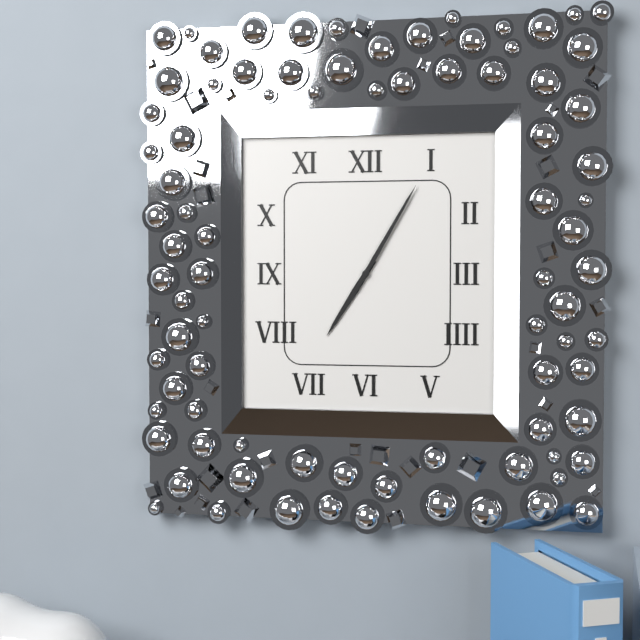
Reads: 7:05
